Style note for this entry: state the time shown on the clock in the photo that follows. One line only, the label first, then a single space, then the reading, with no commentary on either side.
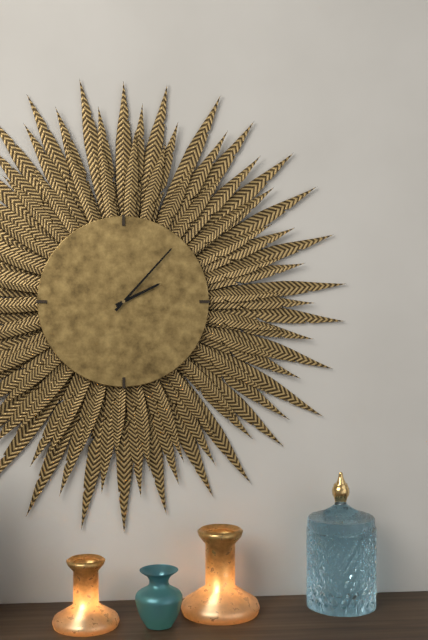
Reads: 2:07
